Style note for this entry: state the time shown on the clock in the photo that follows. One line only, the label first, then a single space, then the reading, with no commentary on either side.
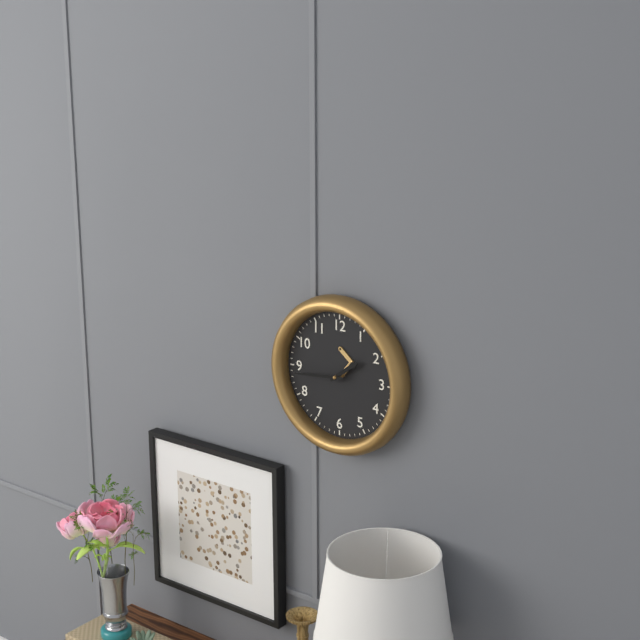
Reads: 1:44
